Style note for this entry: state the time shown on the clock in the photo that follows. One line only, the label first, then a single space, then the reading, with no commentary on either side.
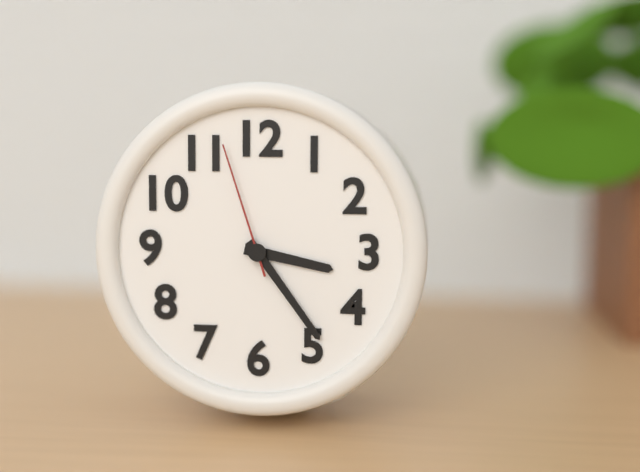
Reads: 3:24:57
